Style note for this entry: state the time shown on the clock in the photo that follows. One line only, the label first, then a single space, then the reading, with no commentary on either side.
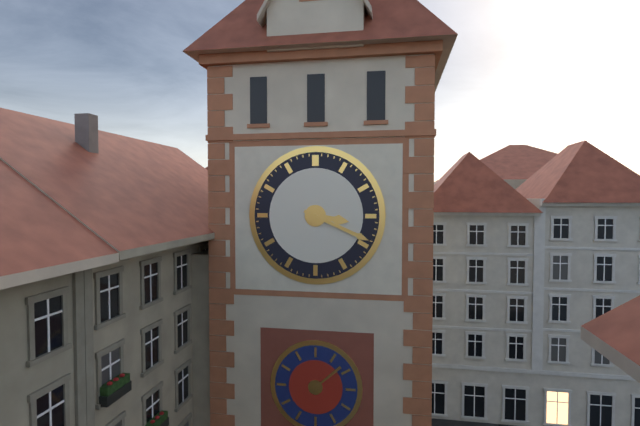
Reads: 3:19
